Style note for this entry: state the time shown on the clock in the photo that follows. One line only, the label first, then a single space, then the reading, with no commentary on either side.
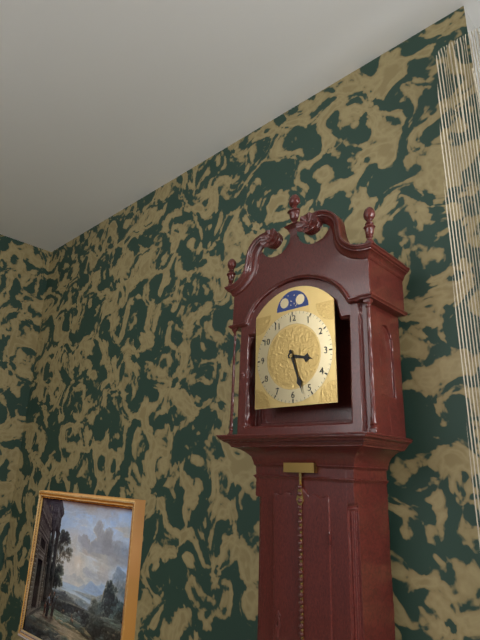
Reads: 3:27
